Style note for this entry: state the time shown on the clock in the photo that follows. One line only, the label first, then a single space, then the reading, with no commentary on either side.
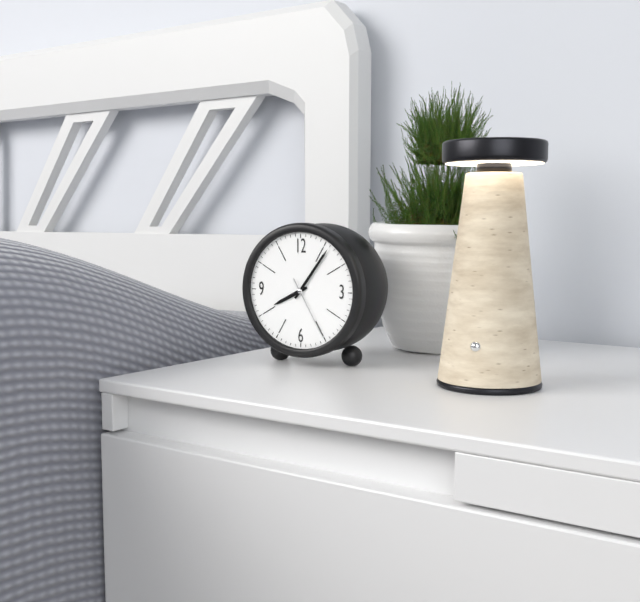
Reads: 8:06:25
